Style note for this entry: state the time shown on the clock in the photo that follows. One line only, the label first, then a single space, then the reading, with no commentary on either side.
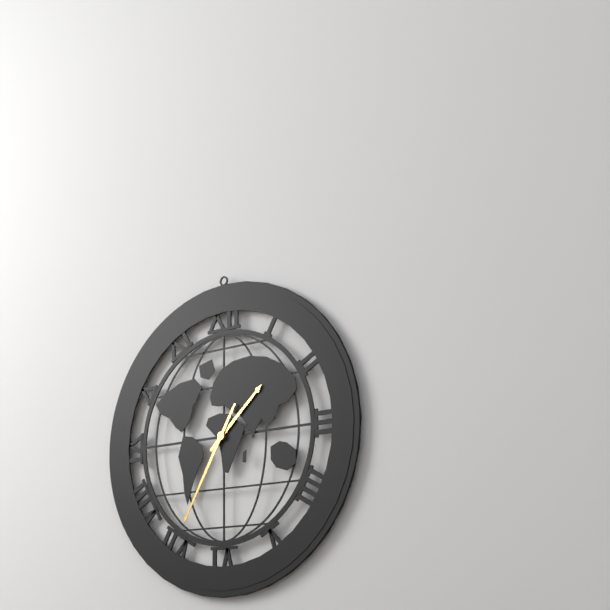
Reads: 1:35
